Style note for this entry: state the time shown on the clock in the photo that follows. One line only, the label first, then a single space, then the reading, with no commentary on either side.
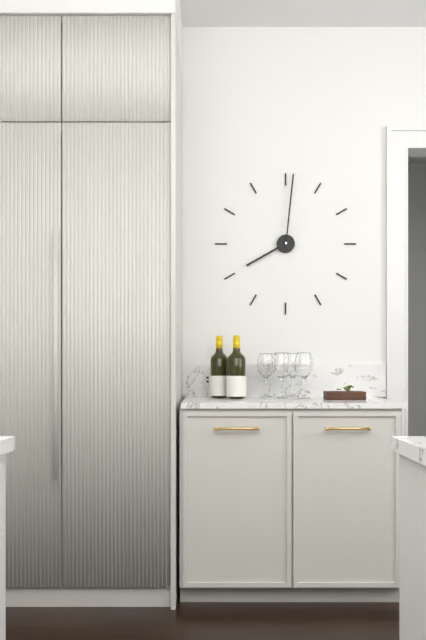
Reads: 8:01
